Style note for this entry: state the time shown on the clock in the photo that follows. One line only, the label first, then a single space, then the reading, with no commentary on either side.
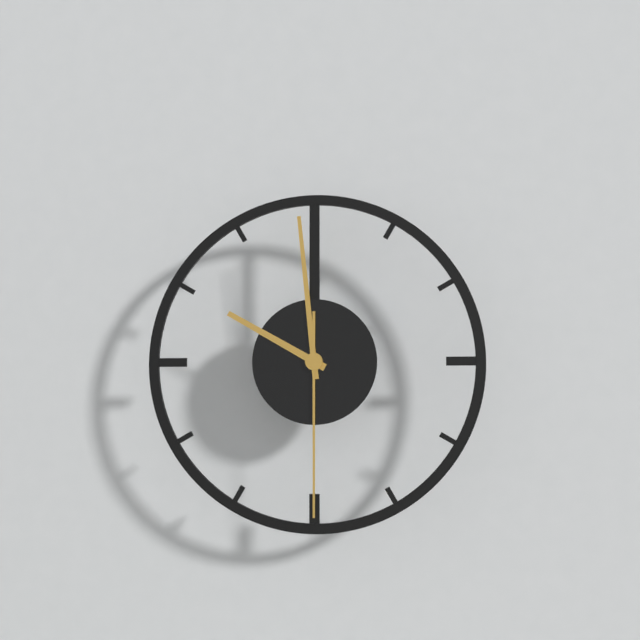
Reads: 9:59:30
